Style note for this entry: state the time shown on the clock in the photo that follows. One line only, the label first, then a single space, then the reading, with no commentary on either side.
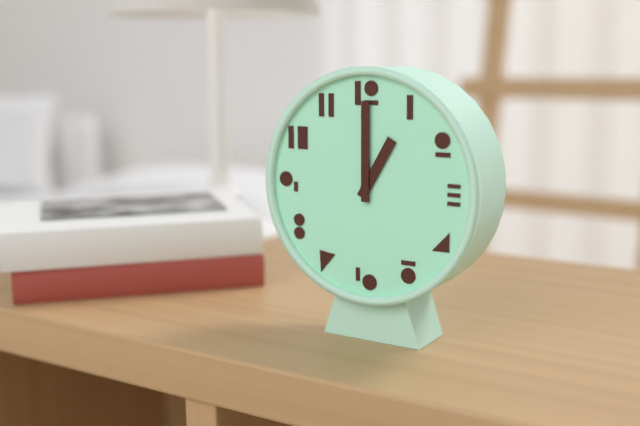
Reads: 1:00
